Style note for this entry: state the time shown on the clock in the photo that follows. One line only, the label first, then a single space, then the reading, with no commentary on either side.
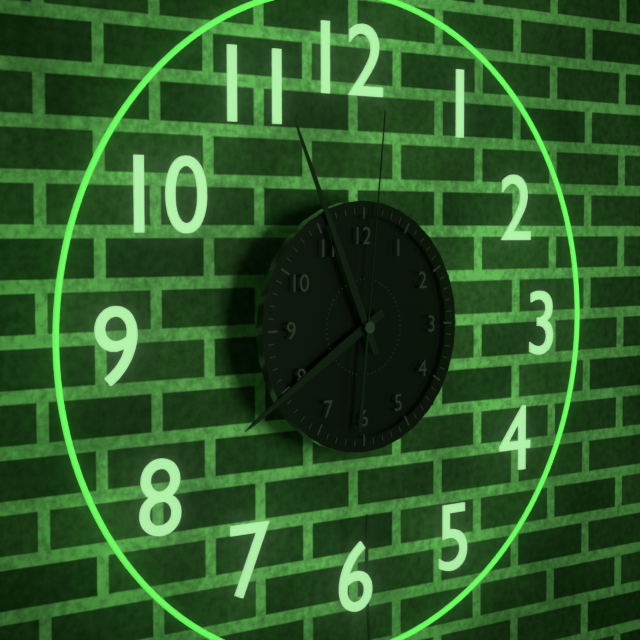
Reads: 7:56:01
